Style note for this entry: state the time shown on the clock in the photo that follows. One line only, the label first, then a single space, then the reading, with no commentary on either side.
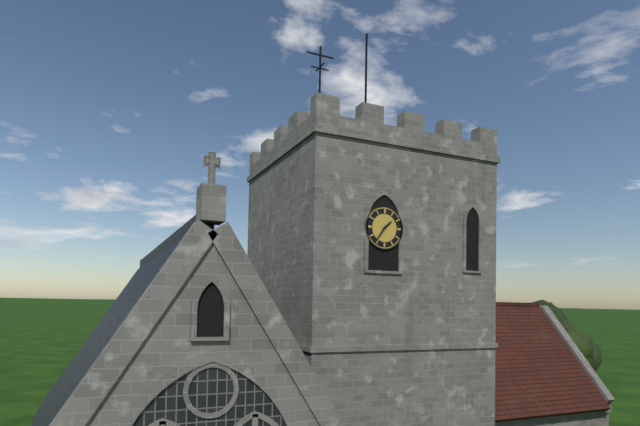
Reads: 1:36
